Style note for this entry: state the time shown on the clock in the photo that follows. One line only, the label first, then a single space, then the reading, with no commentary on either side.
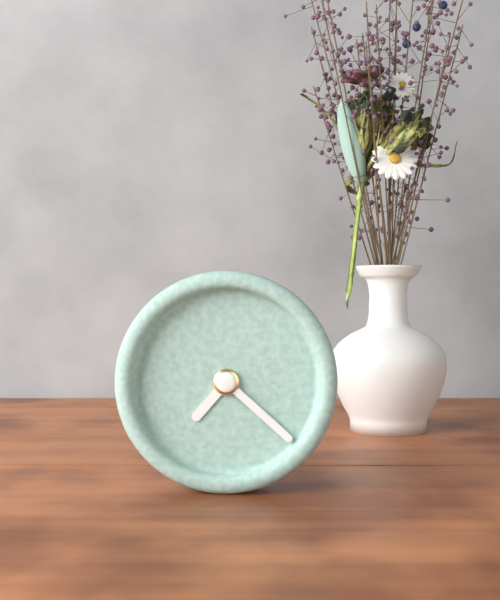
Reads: 7:22
